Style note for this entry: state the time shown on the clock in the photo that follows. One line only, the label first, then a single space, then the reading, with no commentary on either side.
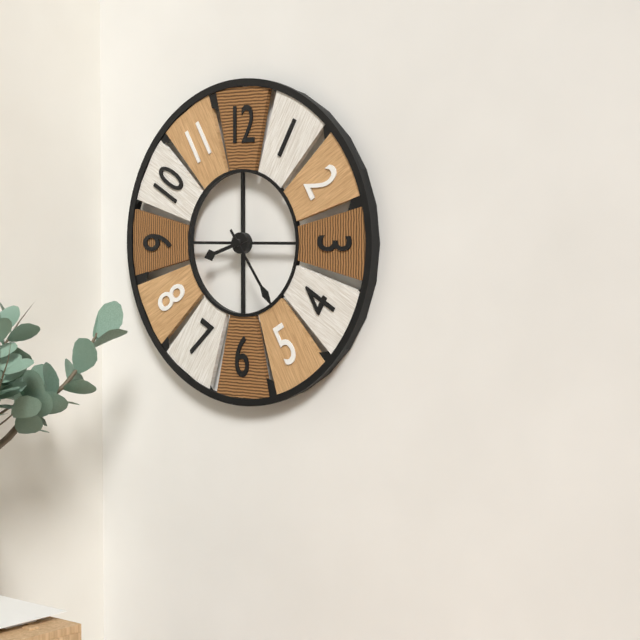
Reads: 8:24
